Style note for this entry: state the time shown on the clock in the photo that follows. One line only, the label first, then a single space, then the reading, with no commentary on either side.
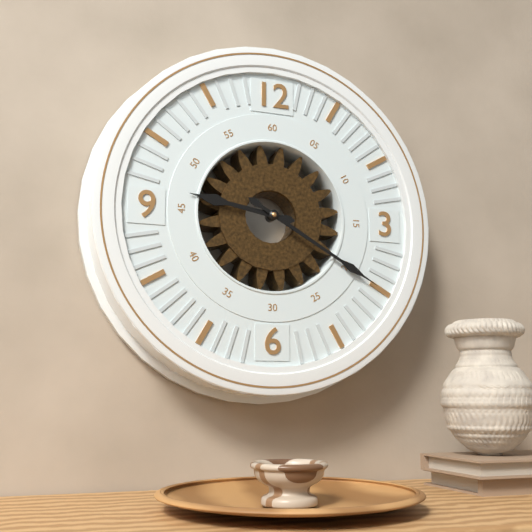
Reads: 9:20
